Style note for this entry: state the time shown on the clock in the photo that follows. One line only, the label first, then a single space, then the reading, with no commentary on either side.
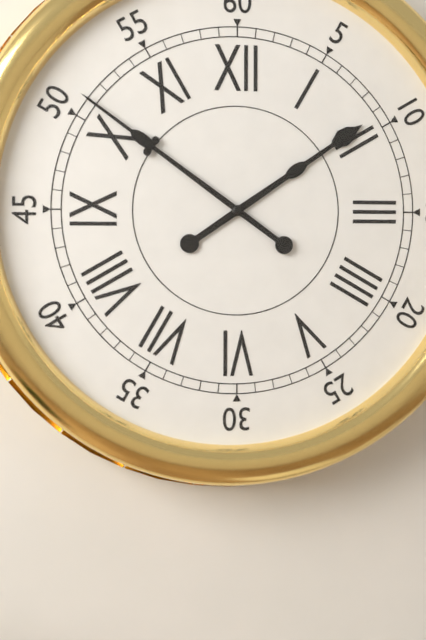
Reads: 1:51
